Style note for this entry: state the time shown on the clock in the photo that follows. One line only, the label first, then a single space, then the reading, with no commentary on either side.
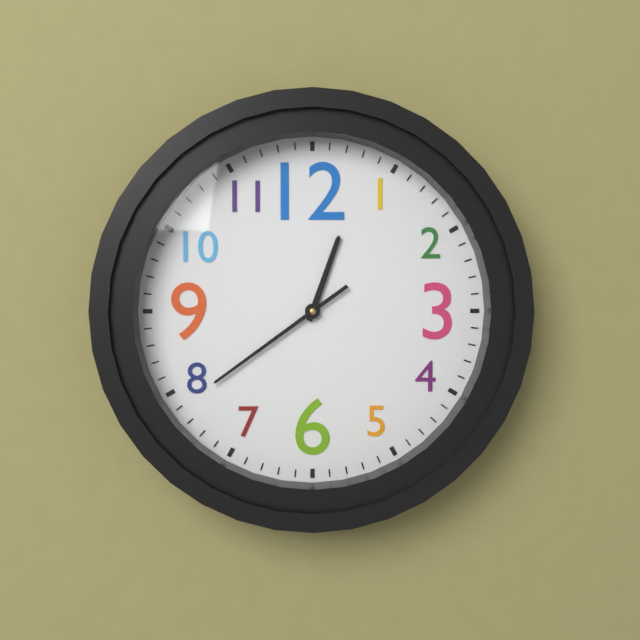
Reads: 12:39
